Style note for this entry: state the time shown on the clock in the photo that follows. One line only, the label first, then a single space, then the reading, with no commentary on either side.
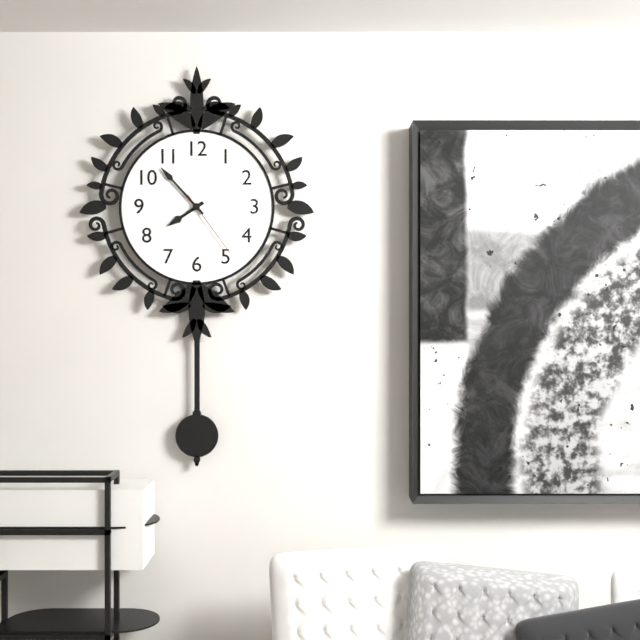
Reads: 7:53:24
